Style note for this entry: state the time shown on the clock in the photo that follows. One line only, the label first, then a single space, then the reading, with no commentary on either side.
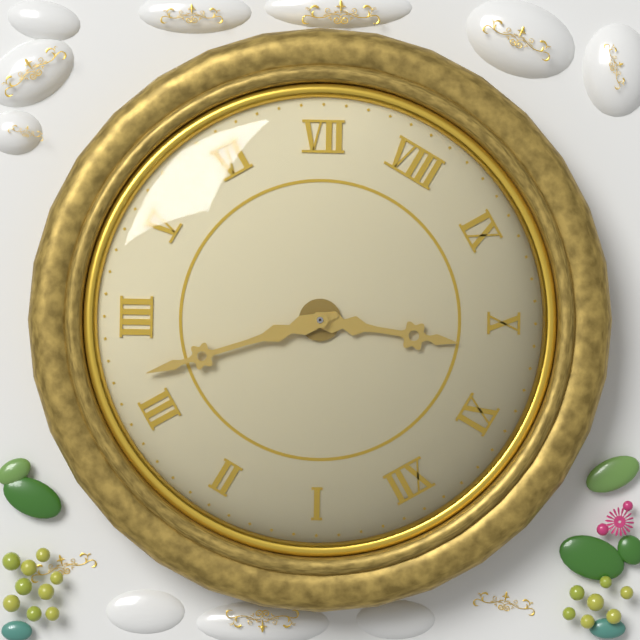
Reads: 10:17
